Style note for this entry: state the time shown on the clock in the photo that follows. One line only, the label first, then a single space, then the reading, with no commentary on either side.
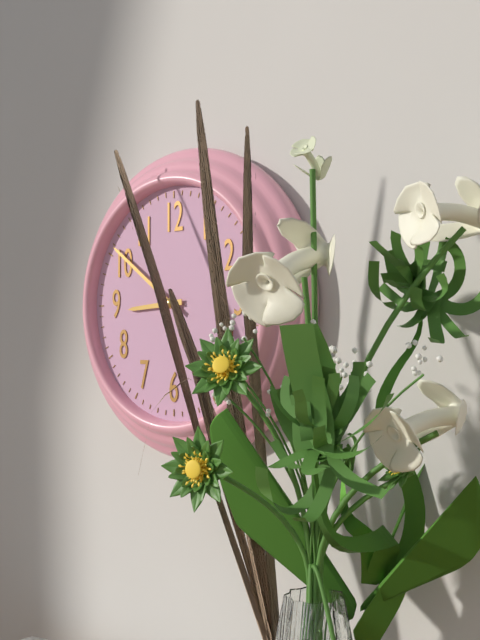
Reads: 8:51
